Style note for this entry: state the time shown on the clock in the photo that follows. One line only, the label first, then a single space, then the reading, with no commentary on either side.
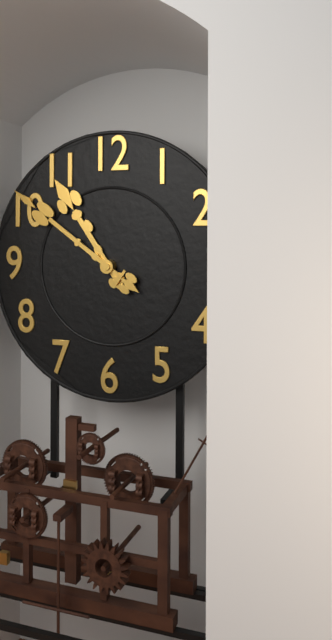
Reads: 10:51
